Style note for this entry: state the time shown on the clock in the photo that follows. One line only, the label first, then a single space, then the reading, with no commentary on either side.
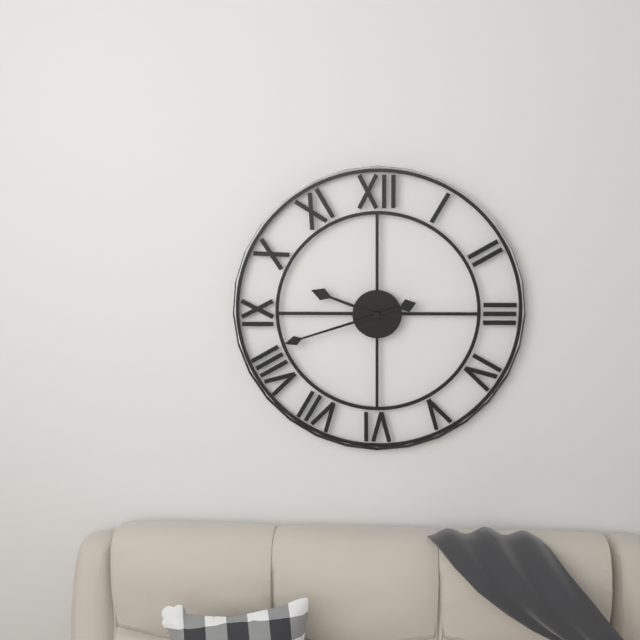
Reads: 9:42
